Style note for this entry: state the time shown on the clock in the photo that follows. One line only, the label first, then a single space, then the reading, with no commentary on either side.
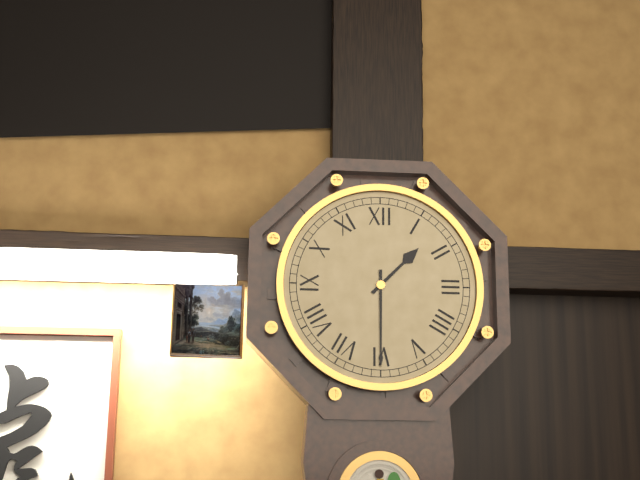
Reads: 1:30
